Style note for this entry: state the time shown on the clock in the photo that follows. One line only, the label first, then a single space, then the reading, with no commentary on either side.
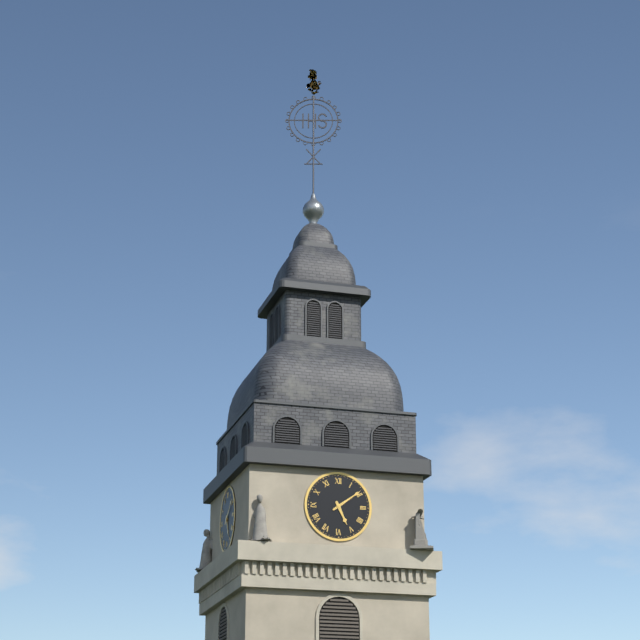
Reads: 5:09
